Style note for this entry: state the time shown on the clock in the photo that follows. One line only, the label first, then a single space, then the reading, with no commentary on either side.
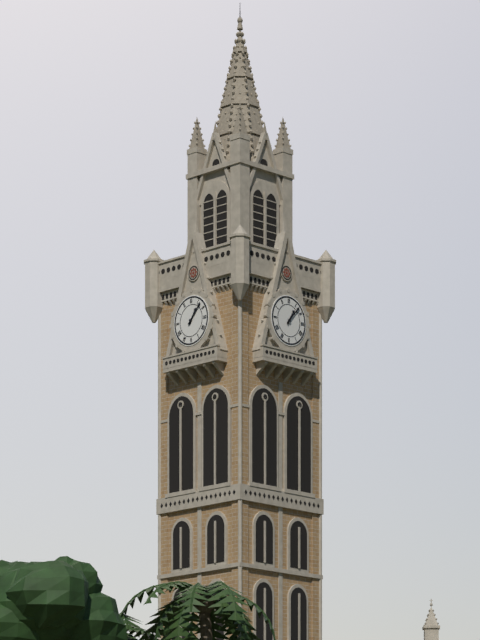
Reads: 1:07
